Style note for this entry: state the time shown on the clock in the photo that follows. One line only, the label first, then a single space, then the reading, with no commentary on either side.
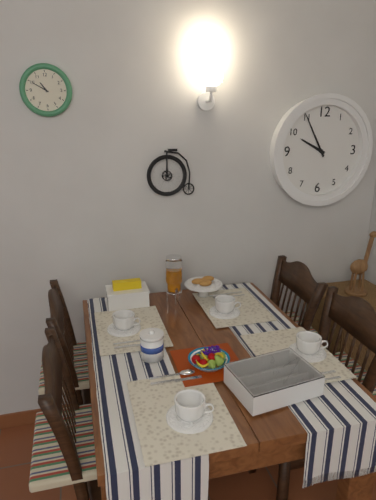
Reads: 9:55
